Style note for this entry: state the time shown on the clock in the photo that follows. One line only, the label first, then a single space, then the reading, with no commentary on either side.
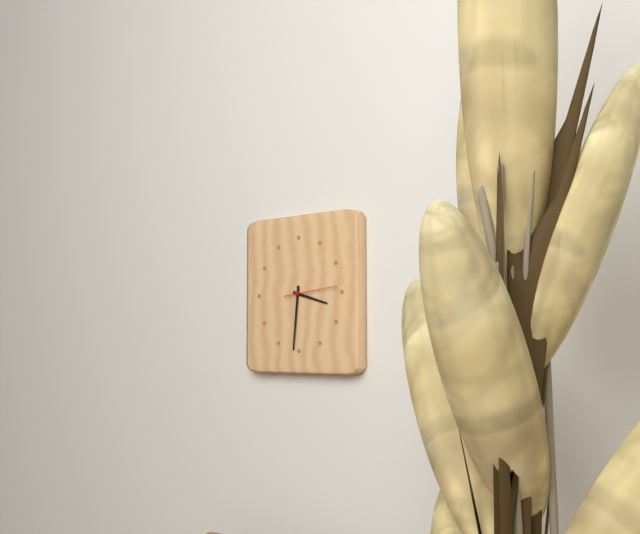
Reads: 3:31:14
